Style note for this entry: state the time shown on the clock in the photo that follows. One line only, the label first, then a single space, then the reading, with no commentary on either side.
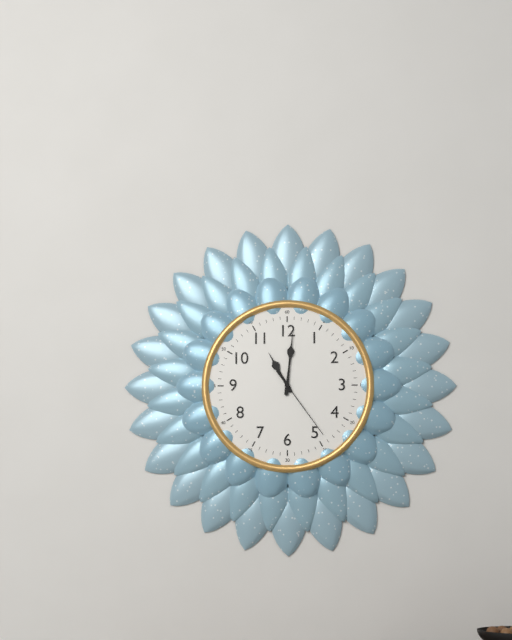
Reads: 11:01:24
